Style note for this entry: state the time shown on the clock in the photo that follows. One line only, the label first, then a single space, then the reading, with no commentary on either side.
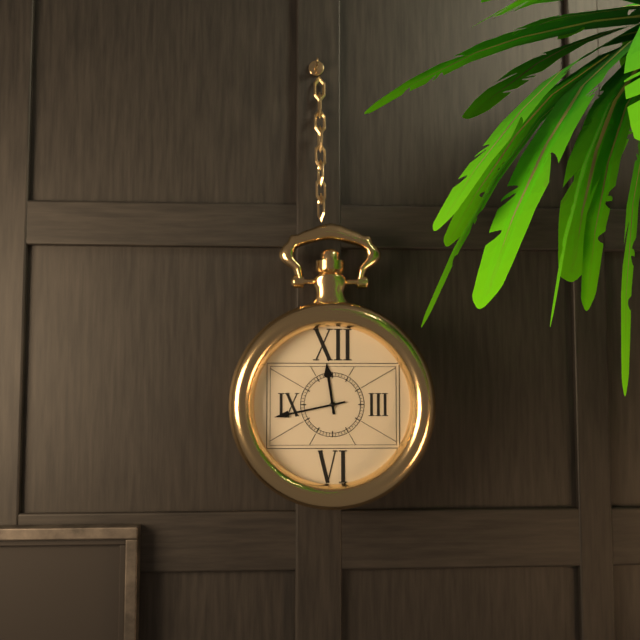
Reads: 11:43
